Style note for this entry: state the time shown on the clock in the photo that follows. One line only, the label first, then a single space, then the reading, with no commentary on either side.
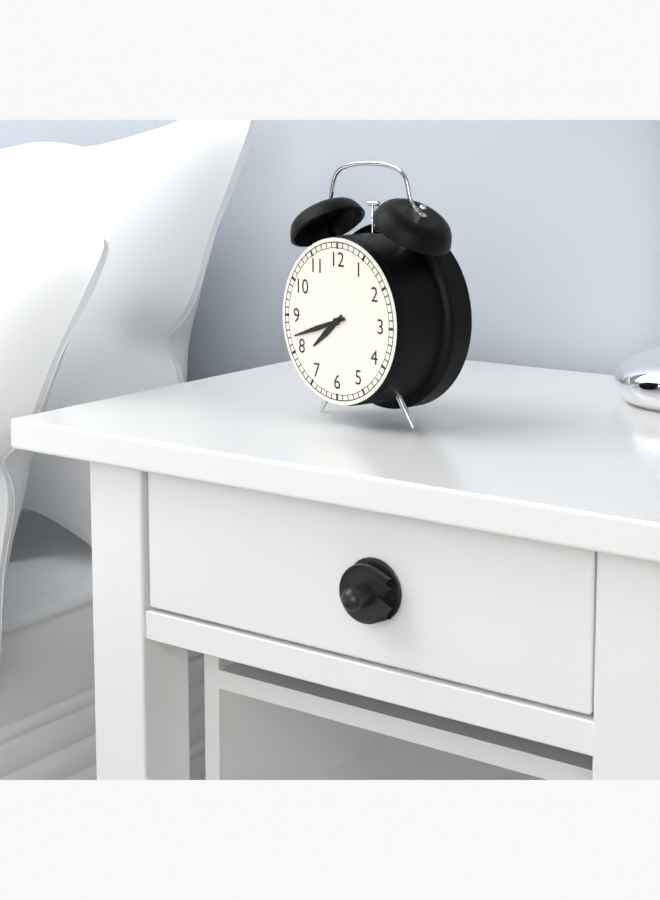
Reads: 7:42
